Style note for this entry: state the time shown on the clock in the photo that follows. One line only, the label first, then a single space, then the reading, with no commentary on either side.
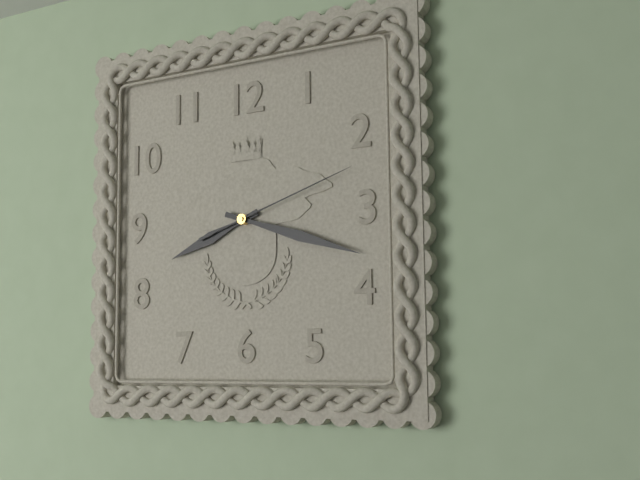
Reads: 8:18:12
